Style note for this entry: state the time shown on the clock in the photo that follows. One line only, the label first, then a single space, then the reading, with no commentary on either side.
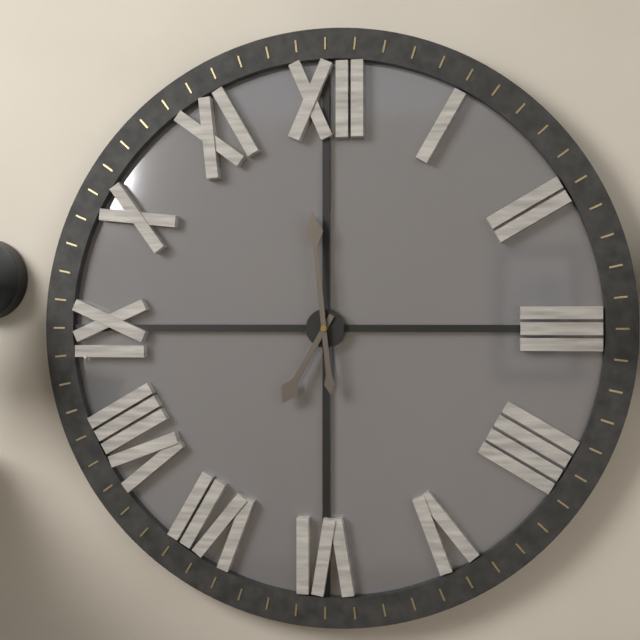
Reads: 6:59
